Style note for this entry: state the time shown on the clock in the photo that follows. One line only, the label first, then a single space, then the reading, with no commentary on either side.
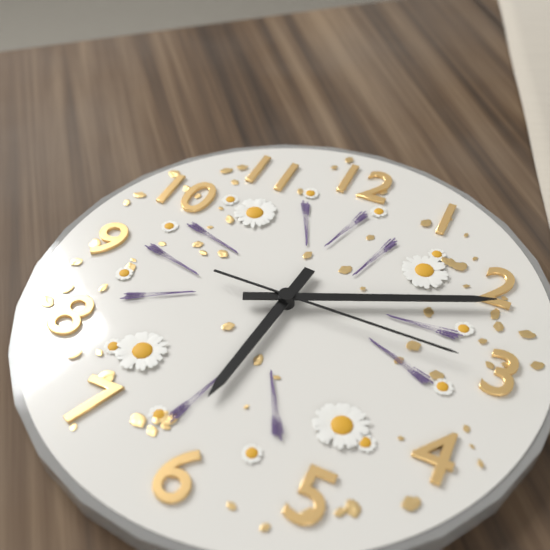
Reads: 6:11:15
